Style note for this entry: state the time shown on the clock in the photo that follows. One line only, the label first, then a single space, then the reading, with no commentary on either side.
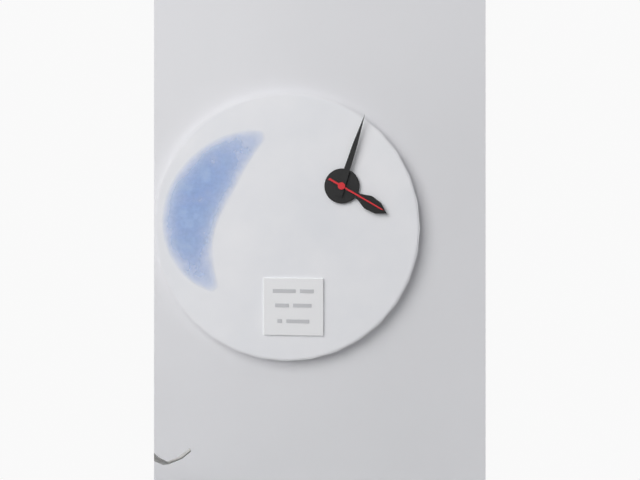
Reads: 4:03:20
